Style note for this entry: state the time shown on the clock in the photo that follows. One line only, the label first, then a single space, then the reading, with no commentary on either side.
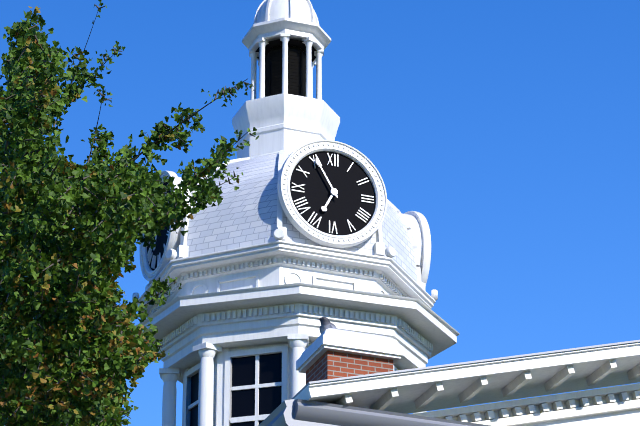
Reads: 6:55
